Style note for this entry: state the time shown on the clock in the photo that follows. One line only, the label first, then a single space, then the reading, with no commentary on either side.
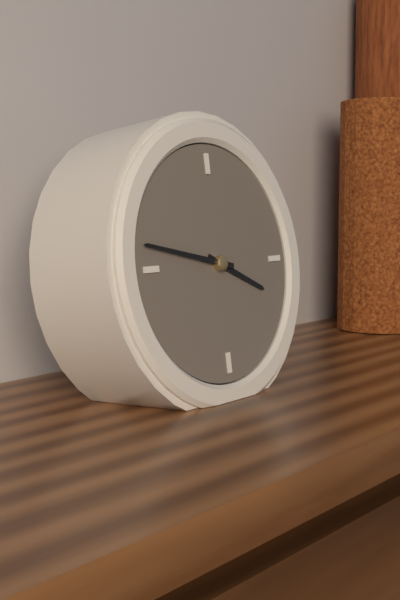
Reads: 3:47
